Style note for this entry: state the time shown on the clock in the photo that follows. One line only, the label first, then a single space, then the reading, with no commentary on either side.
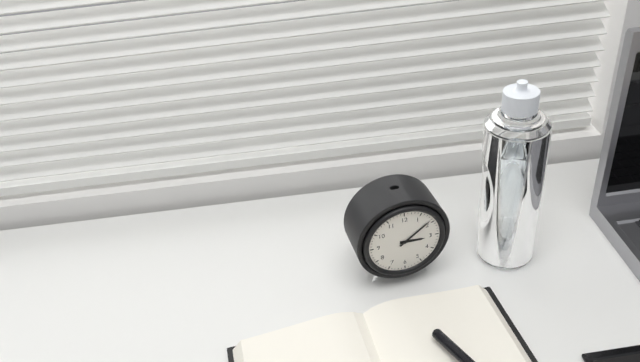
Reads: 3:09
